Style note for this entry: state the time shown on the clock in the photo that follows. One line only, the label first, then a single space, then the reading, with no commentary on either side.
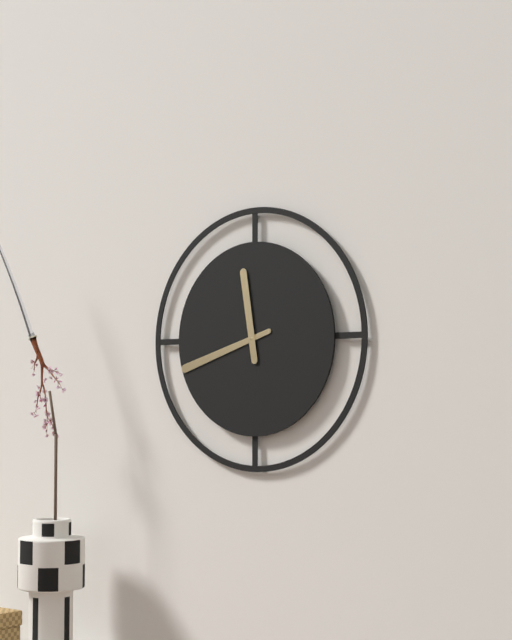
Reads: 11:42
